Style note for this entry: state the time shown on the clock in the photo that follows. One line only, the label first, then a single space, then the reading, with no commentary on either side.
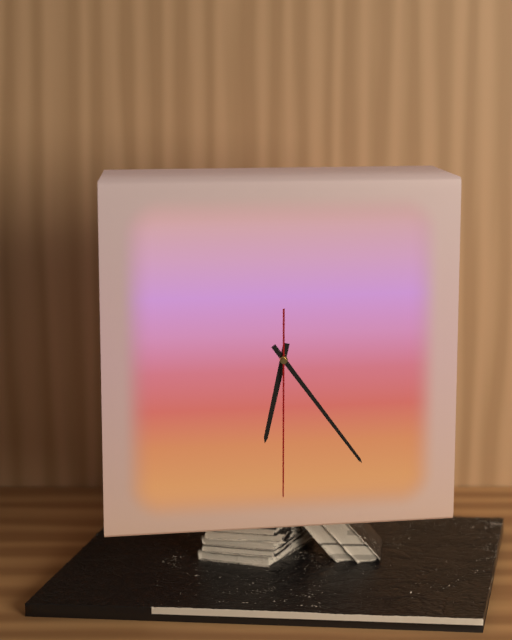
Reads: 6:24:30
